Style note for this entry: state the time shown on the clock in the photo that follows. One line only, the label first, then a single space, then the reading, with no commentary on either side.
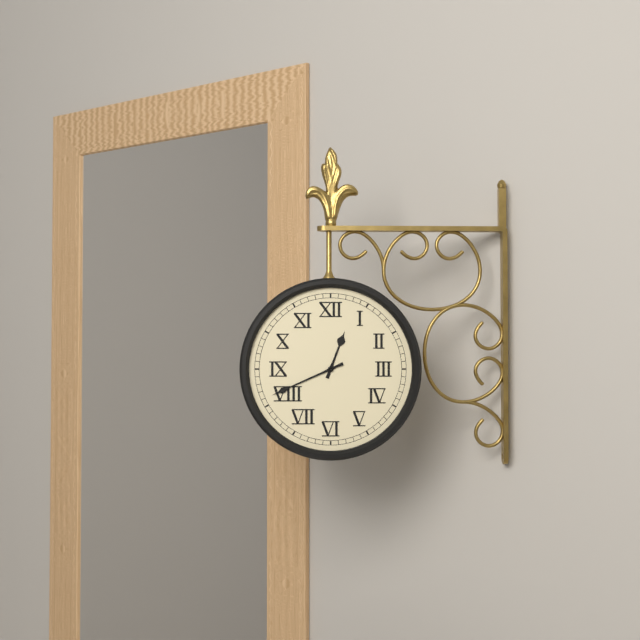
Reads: 12:41
